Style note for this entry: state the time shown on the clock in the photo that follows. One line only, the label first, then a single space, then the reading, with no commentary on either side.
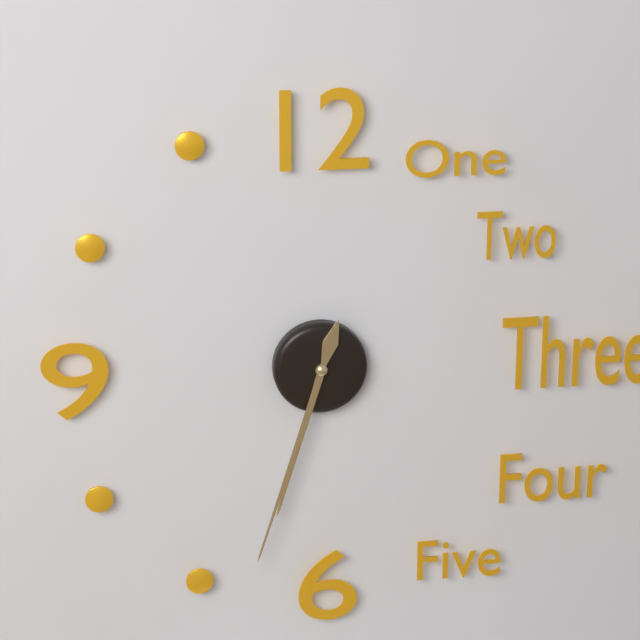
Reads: 6:33
